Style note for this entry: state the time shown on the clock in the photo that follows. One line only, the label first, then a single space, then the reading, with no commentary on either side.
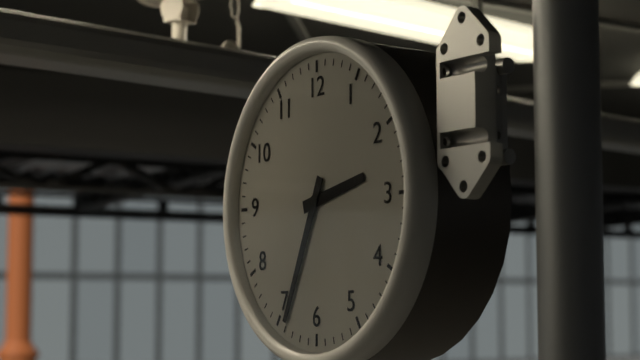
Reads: 2:34
